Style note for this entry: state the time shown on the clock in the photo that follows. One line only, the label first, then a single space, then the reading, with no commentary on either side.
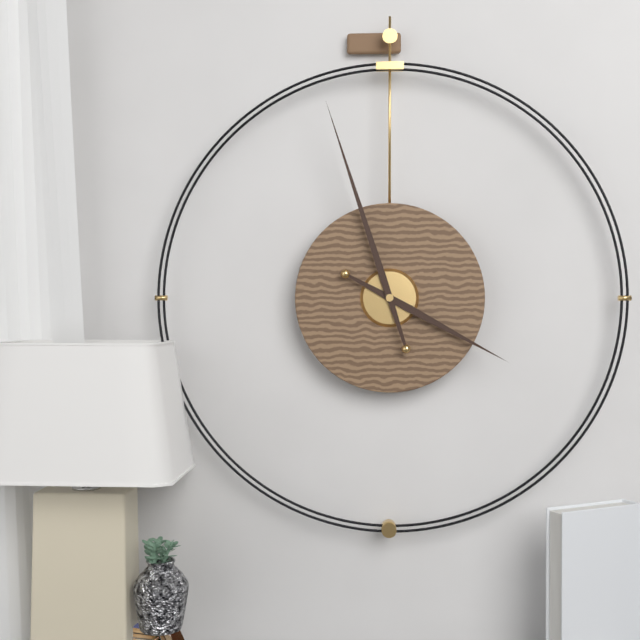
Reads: 3:57
